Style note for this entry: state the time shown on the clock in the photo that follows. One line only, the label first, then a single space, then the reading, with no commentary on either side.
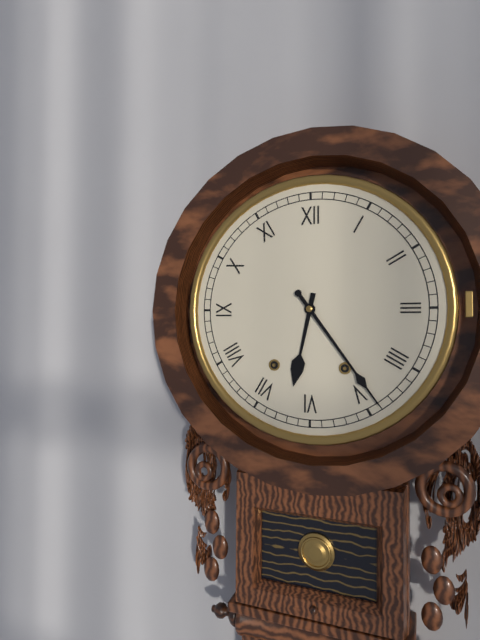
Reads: 6:24
